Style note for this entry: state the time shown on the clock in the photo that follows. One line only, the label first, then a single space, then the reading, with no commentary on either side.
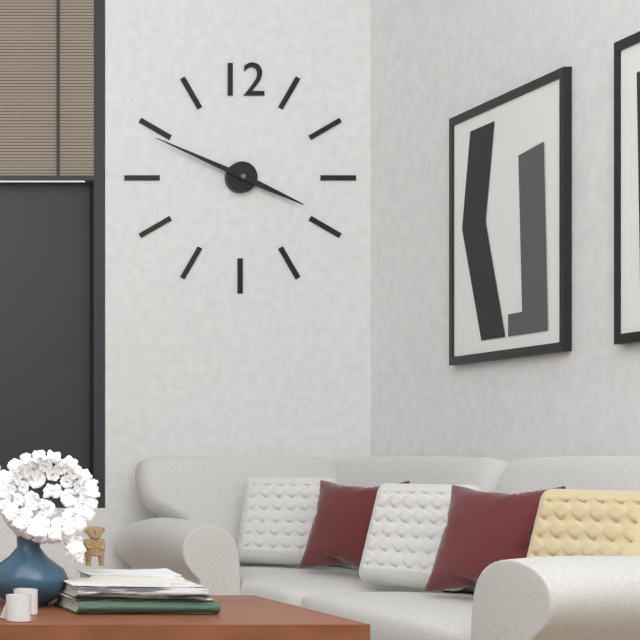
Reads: 3:49
